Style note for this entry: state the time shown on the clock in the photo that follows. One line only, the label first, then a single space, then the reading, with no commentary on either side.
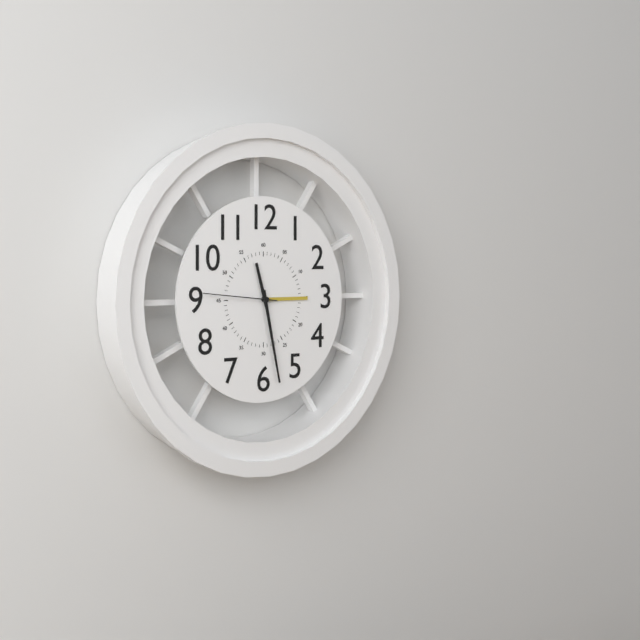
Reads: 11:28:46
